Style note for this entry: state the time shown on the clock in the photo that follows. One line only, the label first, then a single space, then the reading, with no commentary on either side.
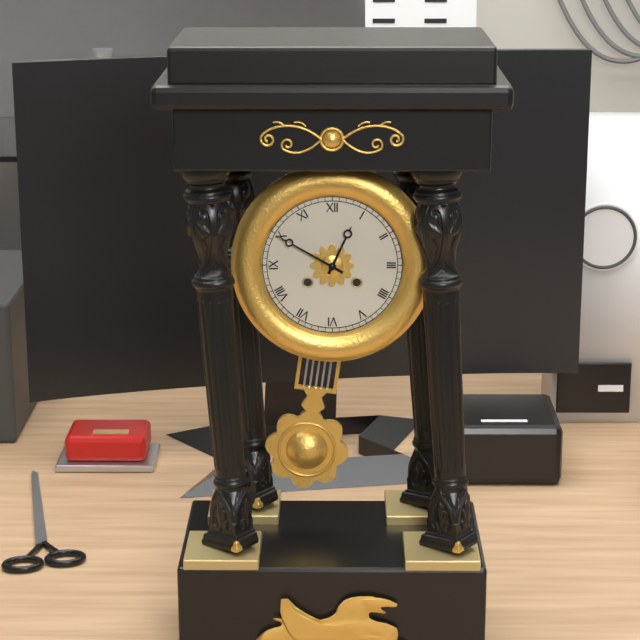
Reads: 12:50
